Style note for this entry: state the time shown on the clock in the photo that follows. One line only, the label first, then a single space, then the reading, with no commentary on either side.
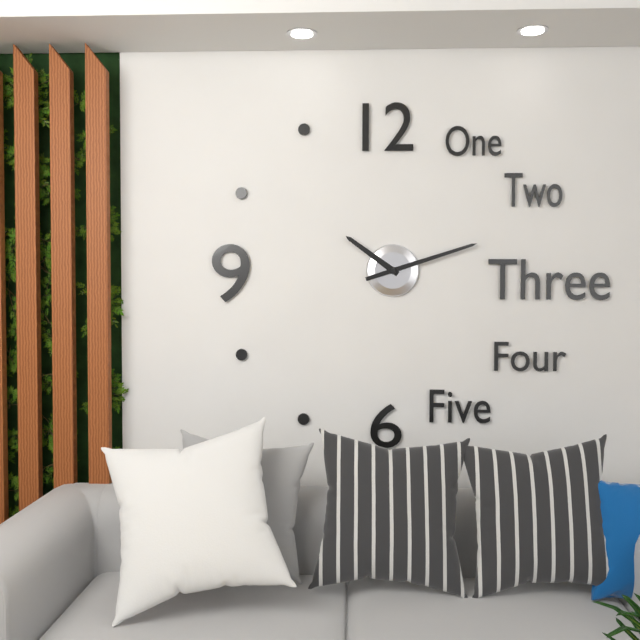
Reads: 10:12
